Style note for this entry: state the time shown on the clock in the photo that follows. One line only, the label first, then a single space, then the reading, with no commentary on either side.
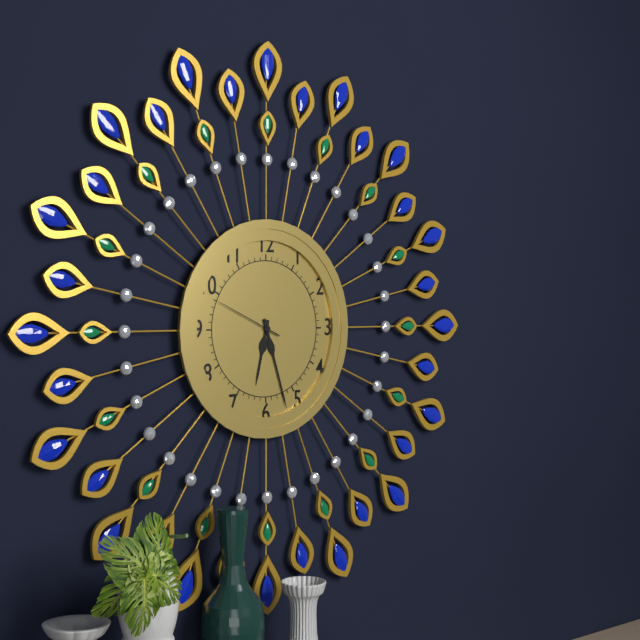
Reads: 6:27:49
